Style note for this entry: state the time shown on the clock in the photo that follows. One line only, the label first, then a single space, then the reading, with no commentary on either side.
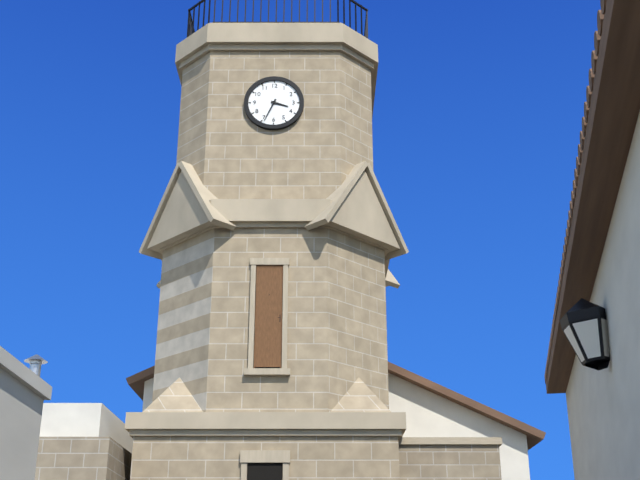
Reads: 3:34
